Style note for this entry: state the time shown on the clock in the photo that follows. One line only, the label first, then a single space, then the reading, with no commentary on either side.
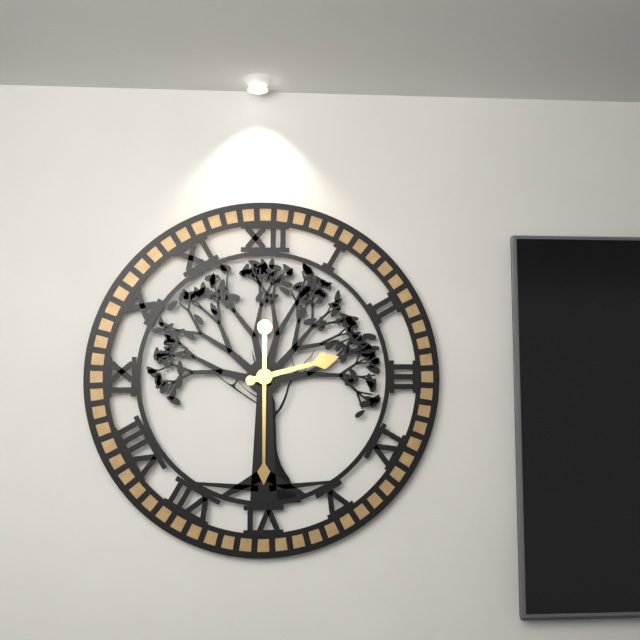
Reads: 2:30
